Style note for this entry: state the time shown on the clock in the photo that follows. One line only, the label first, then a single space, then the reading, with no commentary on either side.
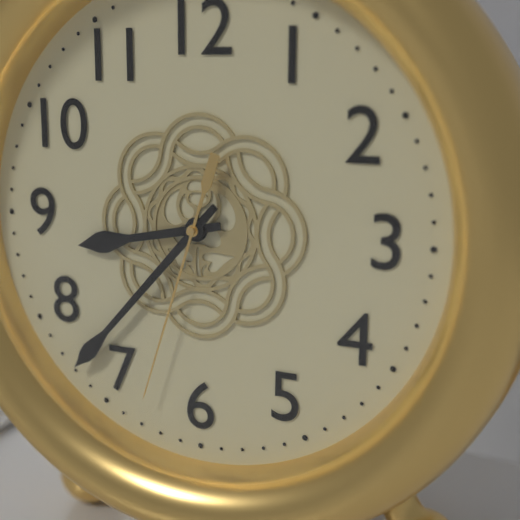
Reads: 8:37:33
